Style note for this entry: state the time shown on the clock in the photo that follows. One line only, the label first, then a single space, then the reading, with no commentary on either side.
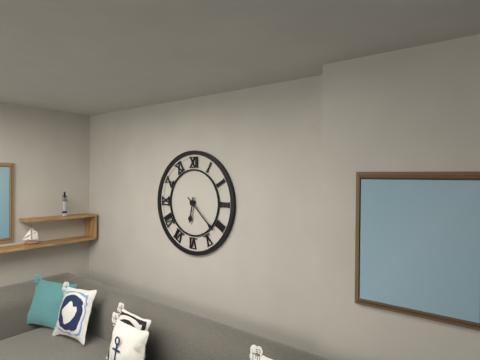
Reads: 6:22
